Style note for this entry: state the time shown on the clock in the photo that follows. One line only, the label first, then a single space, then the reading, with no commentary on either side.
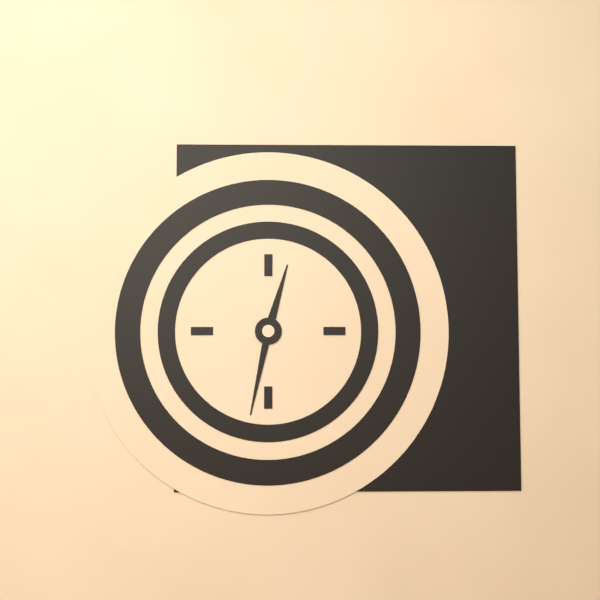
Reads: 12:32
